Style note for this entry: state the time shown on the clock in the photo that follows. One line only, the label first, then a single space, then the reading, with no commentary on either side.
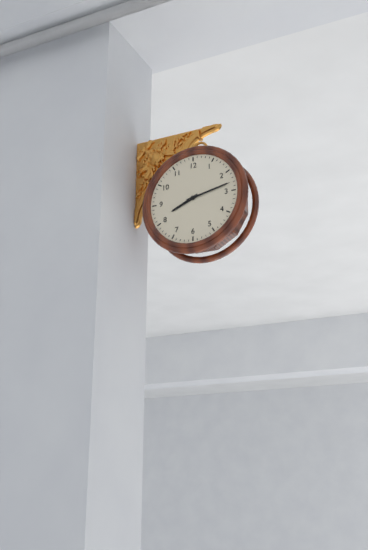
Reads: 8:13
